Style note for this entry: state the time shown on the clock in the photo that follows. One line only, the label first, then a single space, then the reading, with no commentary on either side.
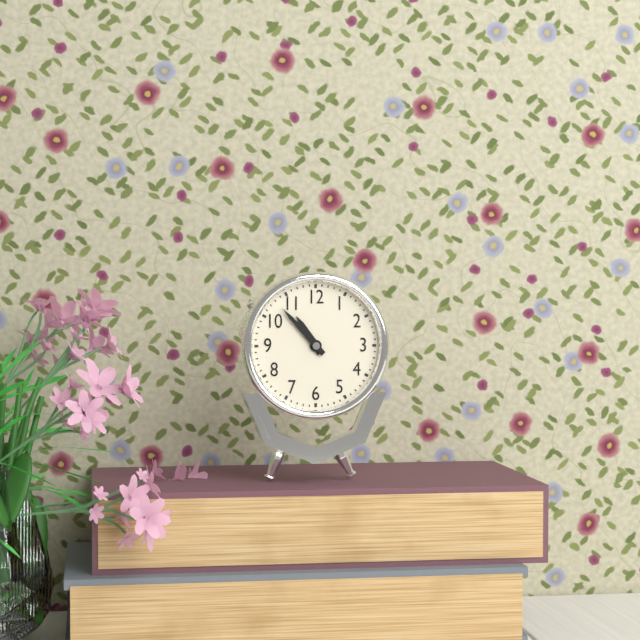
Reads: 10:53
